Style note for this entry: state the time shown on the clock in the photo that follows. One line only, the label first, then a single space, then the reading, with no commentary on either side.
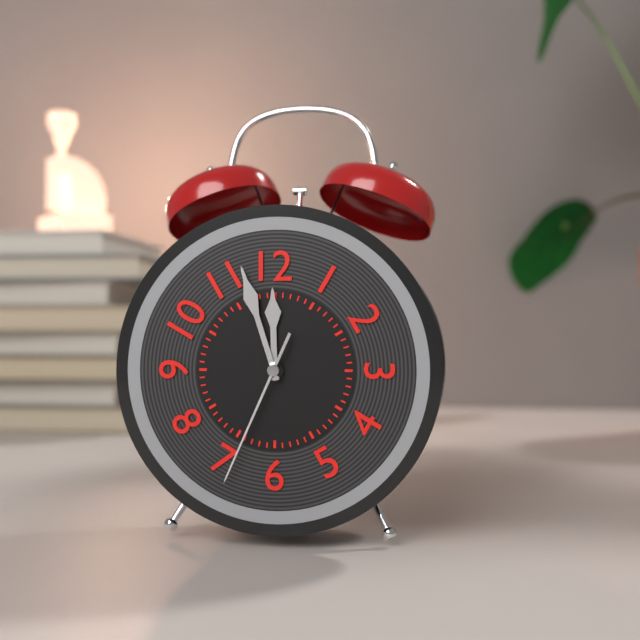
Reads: 11:57:34
